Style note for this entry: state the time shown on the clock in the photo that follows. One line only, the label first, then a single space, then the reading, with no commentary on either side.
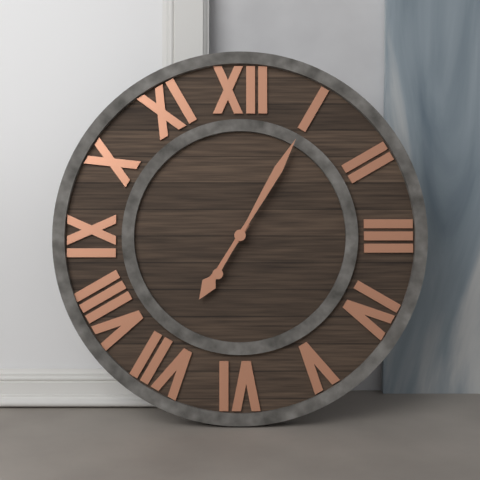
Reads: 7:05
